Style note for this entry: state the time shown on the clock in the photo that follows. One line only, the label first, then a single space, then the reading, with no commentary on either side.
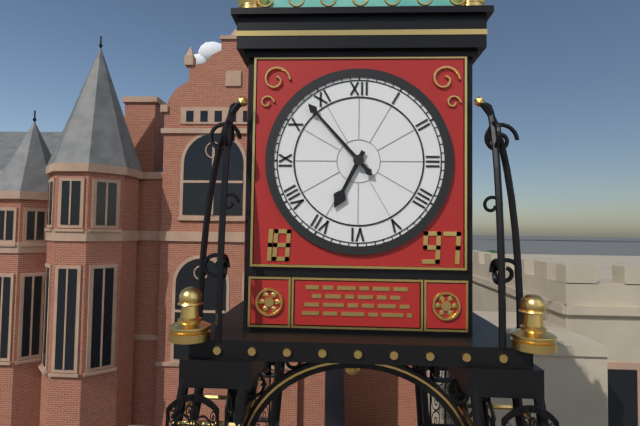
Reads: 6:53
